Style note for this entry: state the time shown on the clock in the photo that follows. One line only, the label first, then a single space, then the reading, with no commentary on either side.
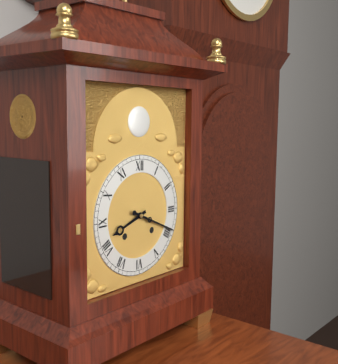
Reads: 8:19
